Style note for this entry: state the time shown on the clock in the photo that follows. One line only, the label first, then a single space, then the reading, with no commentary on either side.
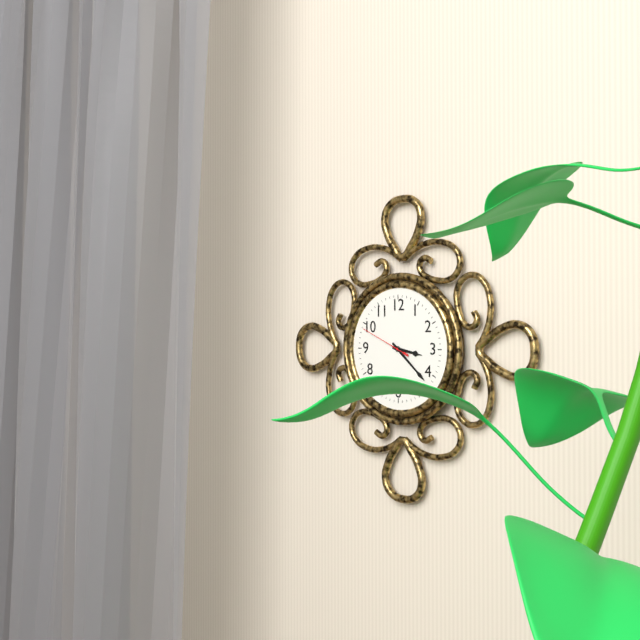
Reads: 3:22
